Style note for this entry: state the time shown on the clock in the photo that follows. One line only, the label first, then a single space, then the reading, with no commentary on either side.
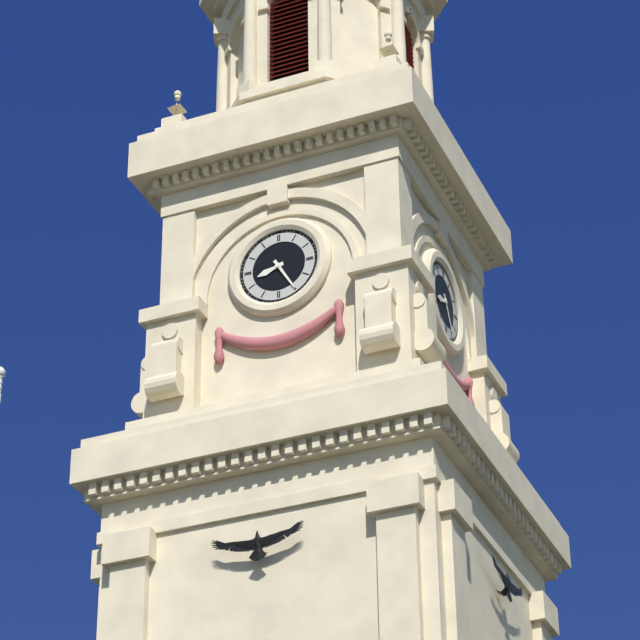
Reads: 8:25
